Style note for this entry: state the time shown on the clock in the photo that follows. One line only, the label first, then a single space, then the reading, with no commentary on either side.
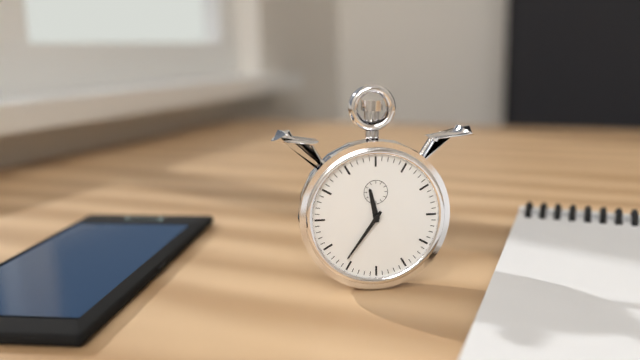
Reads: 11:36
